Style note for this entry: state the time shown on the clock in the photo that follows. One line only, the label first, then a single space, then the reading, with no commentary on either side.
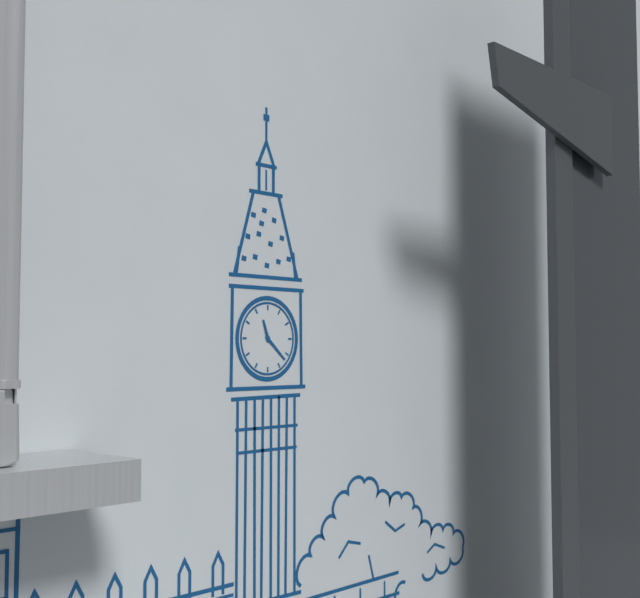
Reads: 11:22
